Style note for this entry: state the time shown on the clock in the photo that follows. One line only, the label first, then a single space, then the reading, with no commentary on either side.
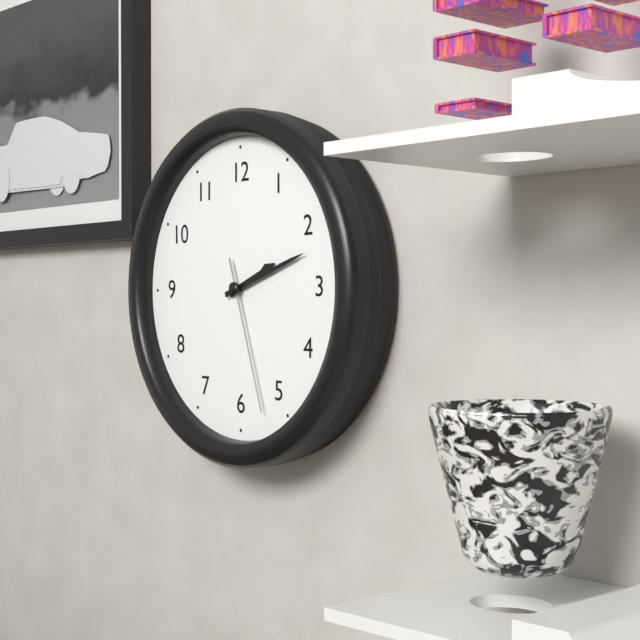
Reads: 2:12:27
